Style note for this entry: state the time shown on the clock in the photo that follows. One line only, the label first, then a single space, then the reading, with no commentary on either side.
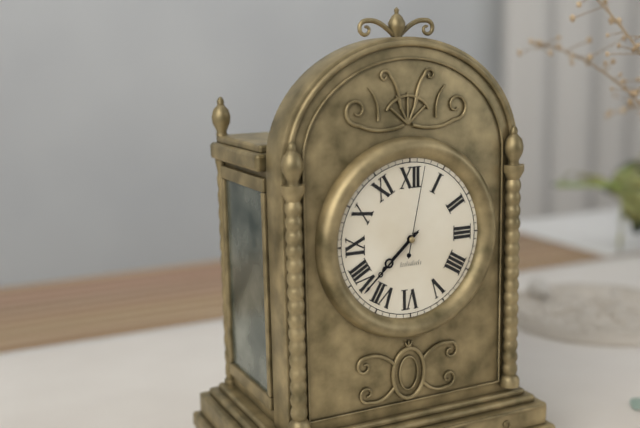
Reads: 7:38:02
